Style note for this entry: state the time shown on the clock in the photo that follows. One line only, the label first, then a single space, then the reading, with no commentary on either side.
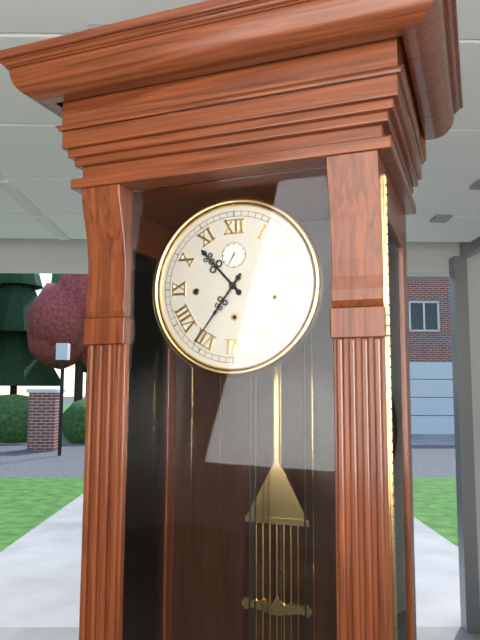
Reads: 10:36
